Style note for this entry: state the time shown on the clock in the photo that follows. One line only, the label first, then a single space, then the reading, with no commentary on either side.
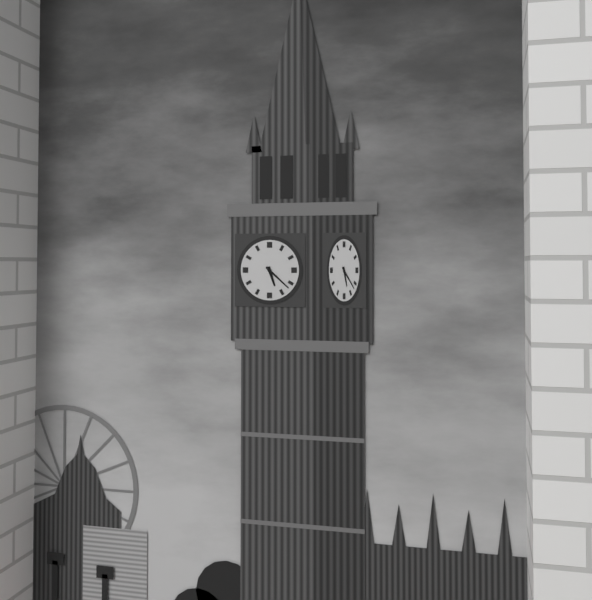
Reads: 5:22
